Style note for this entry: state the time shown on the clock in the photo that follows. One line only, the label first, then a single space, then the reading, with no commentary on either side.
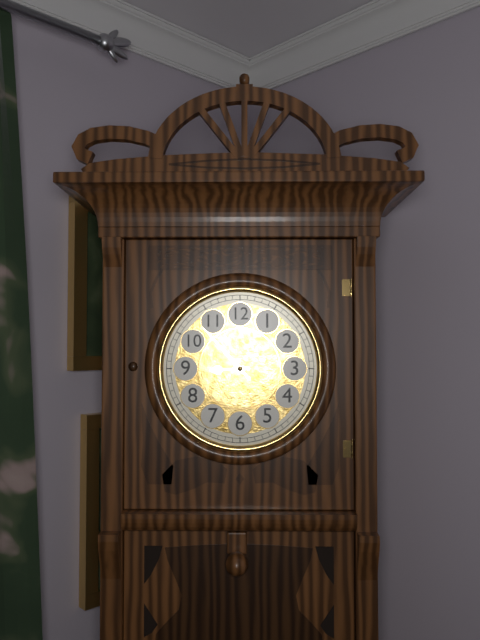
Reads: 8:53
